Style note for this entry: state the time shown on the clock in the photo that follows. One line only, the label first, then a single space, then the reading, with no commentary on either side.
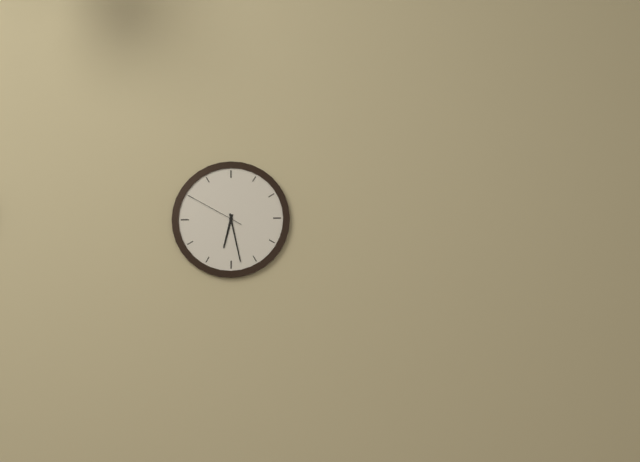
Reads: 6:28:50
